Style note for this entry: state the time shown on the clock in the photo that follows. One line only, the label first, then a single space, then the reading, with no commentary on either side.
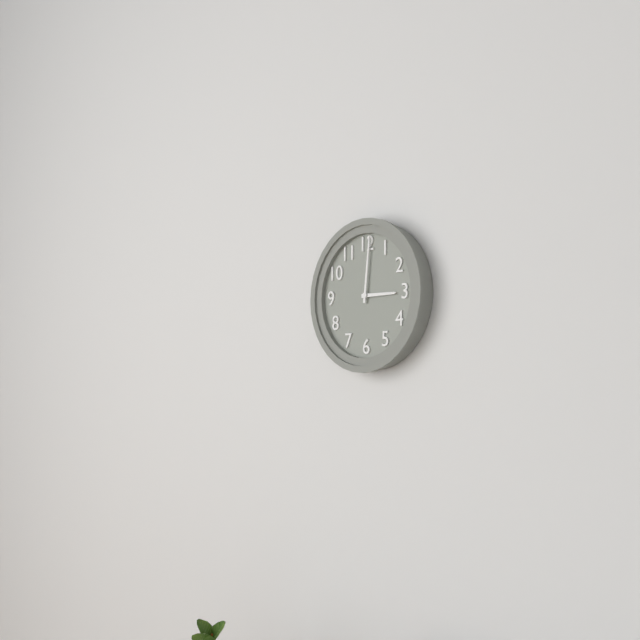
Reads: 3:01
